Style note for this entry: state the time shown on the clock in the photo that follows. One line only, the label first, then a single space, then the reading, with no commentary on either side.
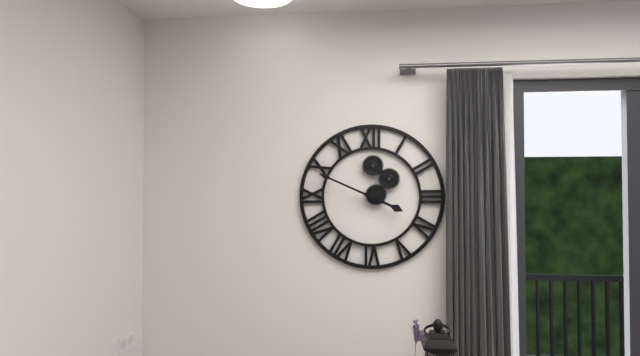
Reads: 3:49
